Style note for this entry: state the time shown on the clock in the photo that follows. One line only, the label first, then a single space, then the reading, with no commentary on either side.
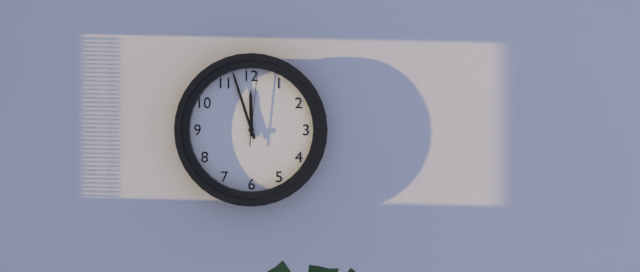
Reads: 11:57:01
